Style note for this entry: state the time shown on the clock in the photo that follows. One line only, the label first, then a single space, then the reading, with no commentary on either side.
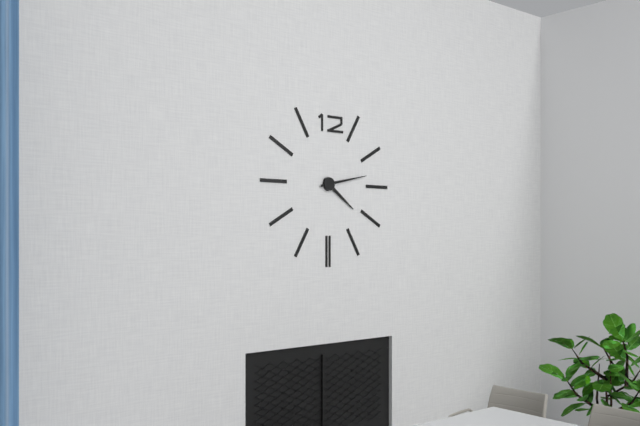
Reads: 4:13
